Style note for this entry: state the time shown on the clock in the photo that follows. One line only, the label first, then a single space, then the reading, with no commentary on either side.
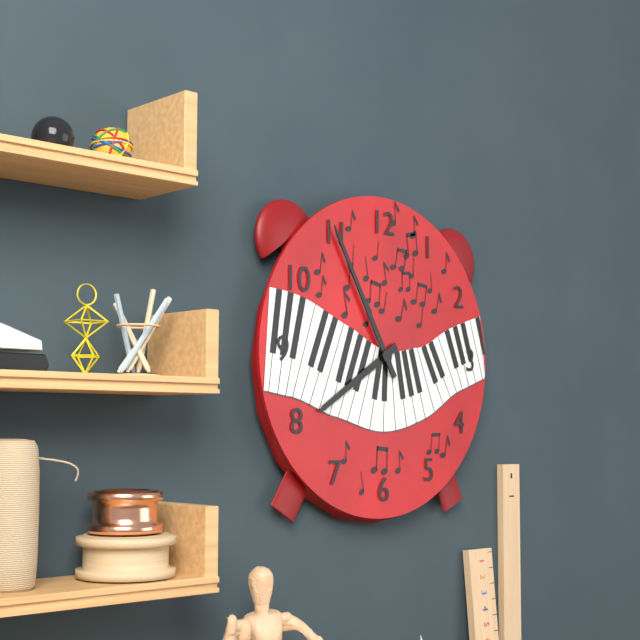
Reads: 7:55
